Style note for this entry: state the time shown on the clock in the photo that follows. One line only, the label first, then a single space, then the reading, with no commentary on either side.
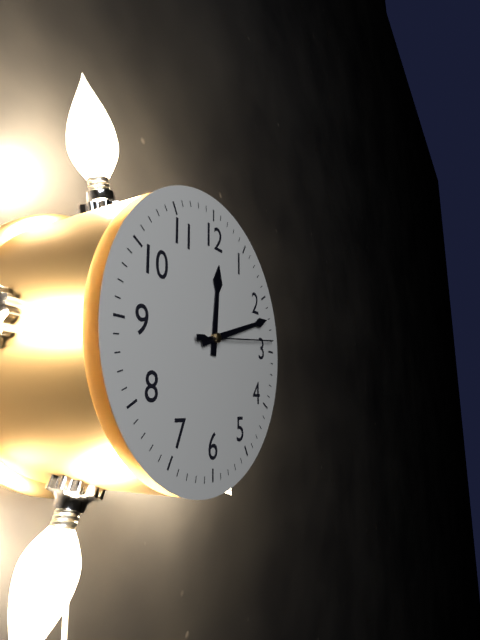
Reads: 12:12:14
